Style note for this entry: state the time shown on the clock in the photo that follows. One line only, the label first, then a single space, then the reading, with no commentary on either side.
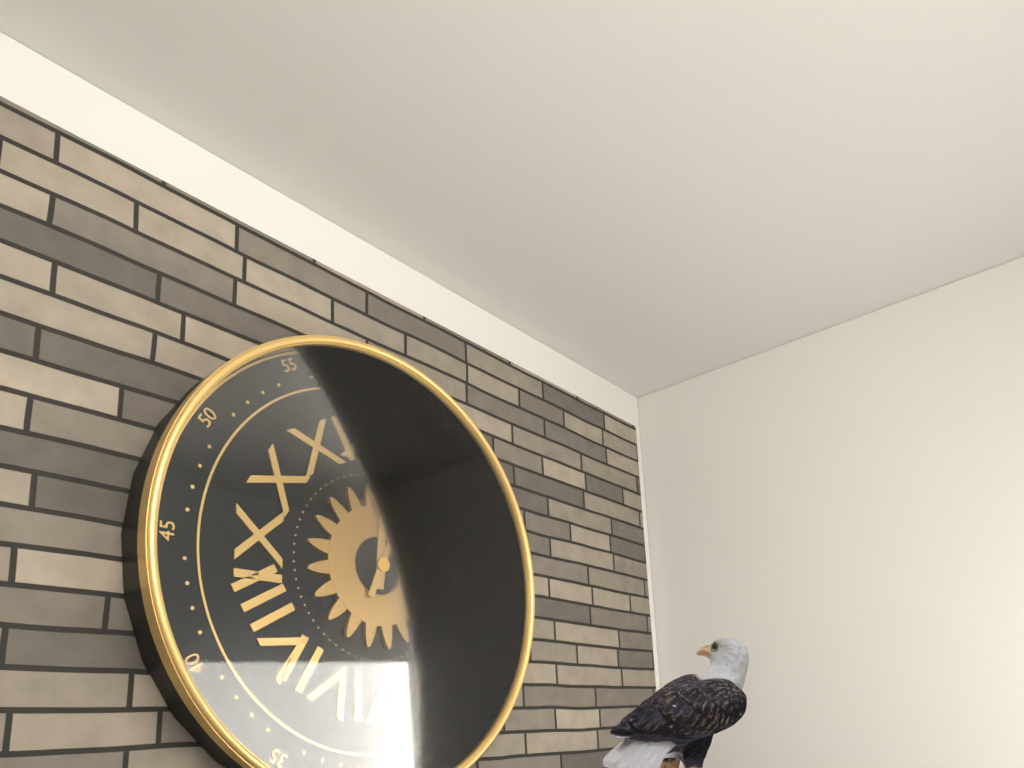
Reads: 12:04
